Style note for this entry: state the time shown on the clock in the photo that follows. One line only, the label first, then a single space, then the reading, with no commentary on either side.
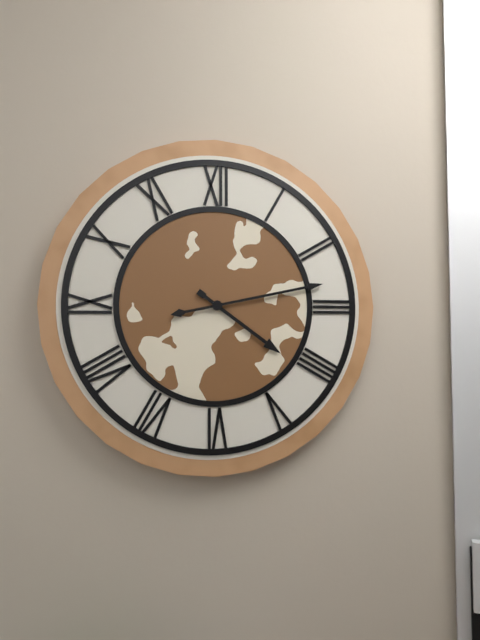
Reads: 4:13
